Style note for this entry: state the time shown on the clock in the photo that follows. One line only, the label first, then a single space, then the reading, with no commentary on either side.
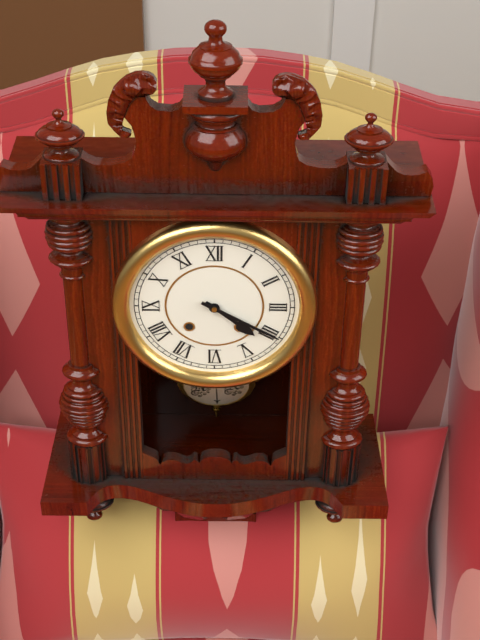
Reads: 4:20
